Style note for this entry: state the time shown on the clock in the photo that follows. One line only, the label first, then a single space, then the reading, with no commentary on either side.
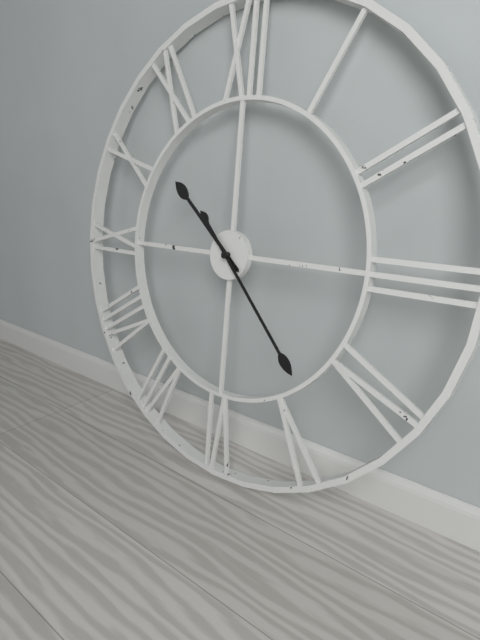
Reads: 10:23
